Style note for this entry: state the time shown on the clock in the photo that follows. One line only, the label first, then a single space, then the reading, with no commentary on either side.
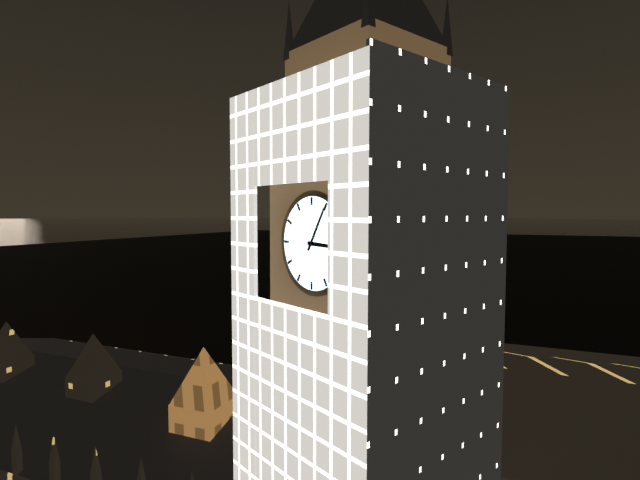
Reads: 3:05
